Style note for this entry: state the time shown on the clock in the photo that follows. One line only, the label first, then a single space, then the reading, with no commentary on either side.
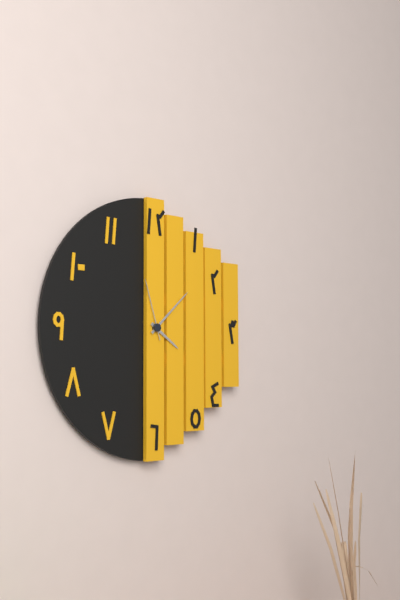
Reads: 4:08:57
